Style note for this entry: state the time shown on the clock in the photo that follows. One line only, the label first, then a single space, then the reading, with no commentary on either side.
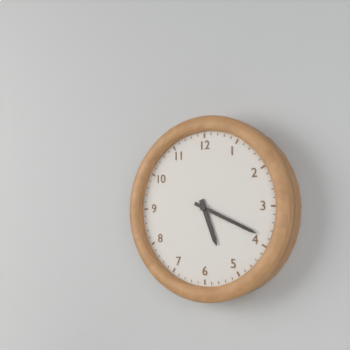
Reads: 5:19
